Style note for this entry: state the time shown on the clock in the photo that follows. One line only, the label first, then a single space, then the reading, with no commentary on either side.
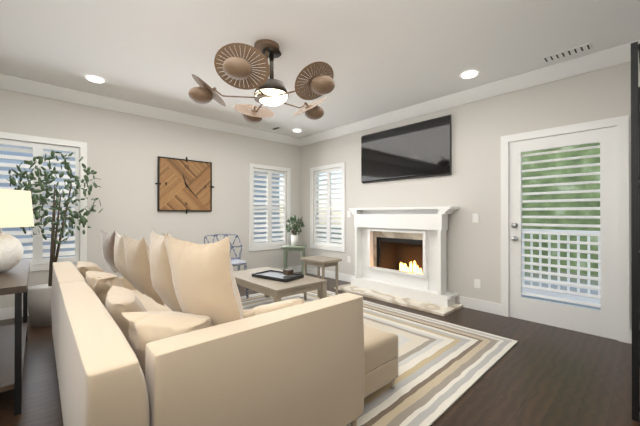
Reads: 11:23
